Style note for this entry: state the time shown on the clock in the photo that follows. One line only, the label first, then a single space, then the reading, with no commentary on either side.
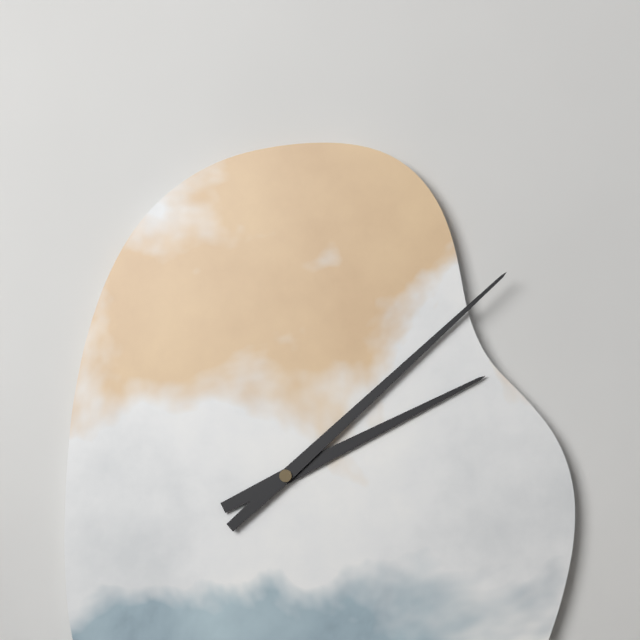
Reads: 2:08
